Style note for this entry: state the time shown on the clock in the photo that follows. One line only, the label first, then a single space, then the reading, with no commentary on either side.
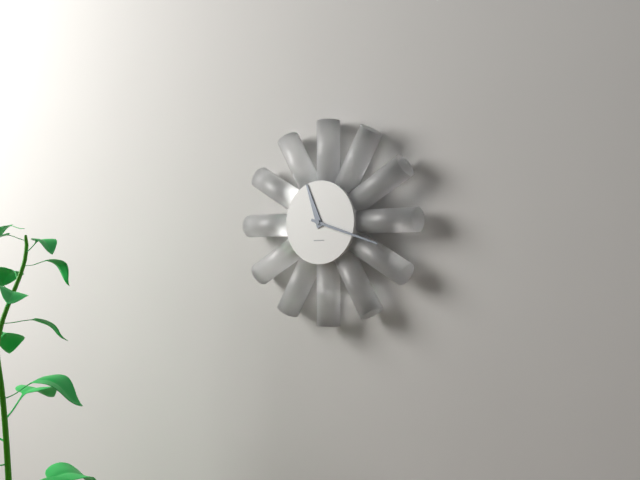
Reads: 11:18
